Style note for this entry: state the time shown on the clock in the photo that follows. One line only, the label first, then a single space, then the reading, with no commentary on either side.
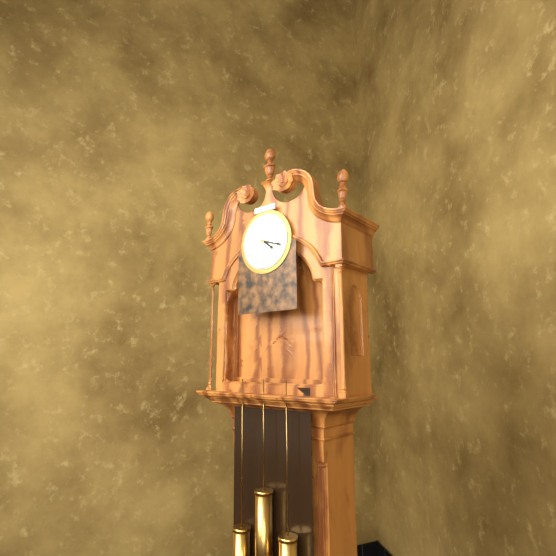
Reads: 4:18
